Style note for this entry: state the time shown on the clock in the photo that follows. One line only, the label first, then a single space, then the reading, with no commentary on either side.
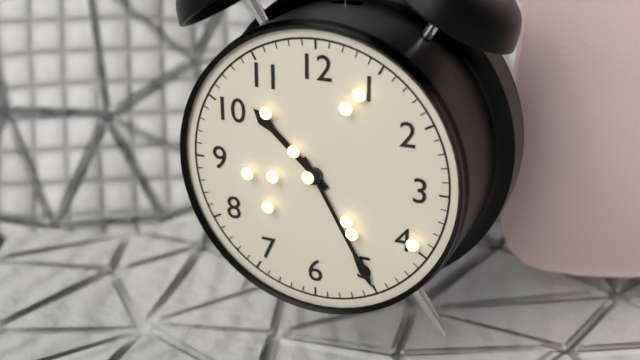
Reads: 10:25
